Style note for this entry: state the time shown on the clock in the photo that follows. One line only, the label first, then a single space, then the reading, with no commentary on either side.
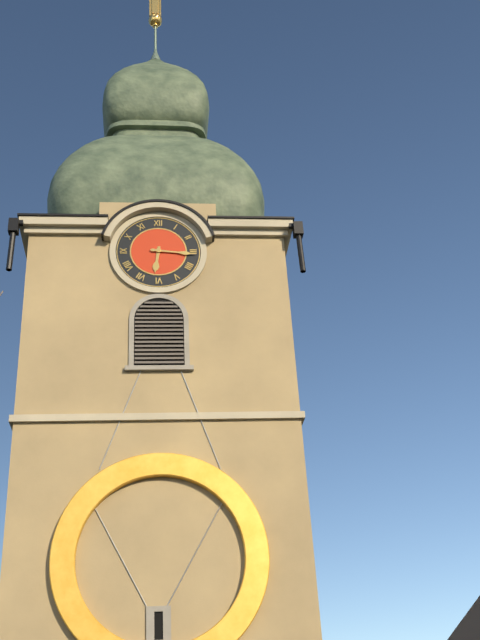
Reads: 6:16
